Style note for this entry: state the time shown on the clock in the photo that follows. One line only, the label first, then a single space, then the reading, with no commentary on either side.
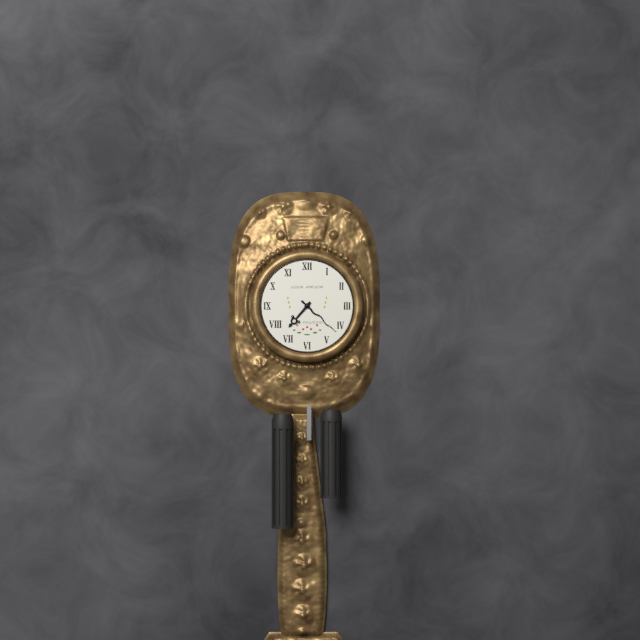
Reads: 7:22
